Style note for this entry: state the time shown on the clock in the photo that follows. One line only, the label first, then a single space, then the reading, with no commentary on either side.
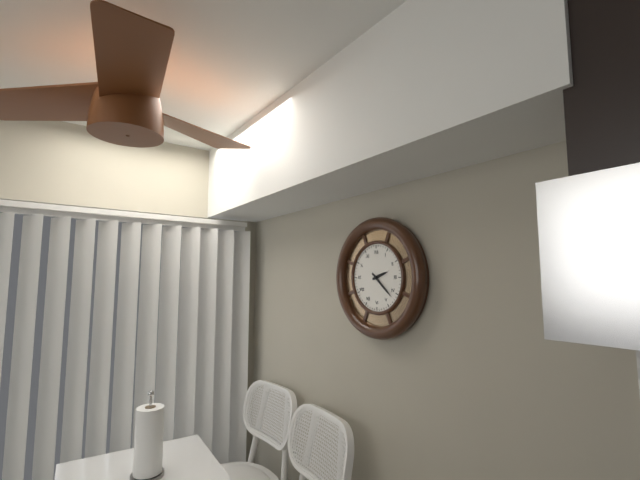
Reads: 2:22
